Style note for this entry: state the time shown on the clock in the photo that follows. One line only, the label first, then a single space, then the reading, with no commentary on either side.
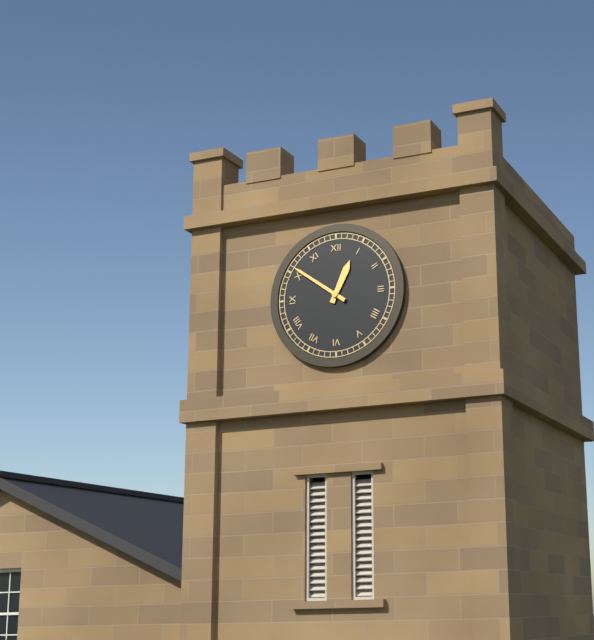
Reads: 12:51
